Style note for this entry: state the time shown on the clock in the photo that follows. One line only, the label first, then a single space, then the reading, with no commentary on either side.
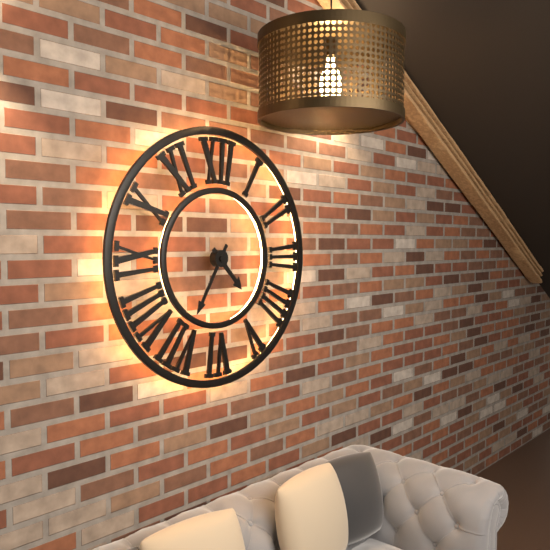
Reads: 4:35
